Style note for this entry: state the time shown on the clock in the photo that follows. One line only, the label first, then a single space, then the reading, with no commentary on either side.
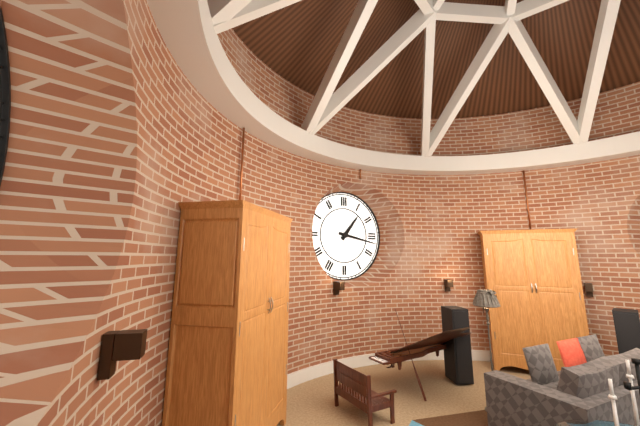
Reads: 1:17
